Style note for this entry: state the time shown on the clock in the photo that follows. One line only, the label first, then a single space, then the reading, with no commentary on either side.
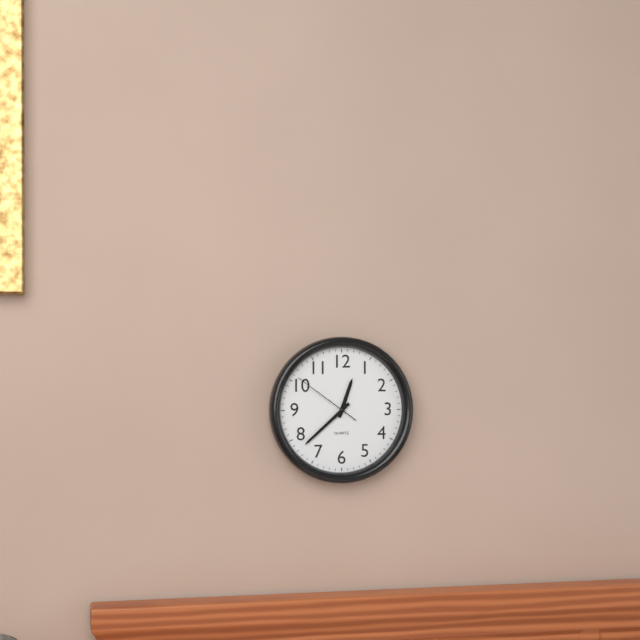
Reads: 12:38:51
